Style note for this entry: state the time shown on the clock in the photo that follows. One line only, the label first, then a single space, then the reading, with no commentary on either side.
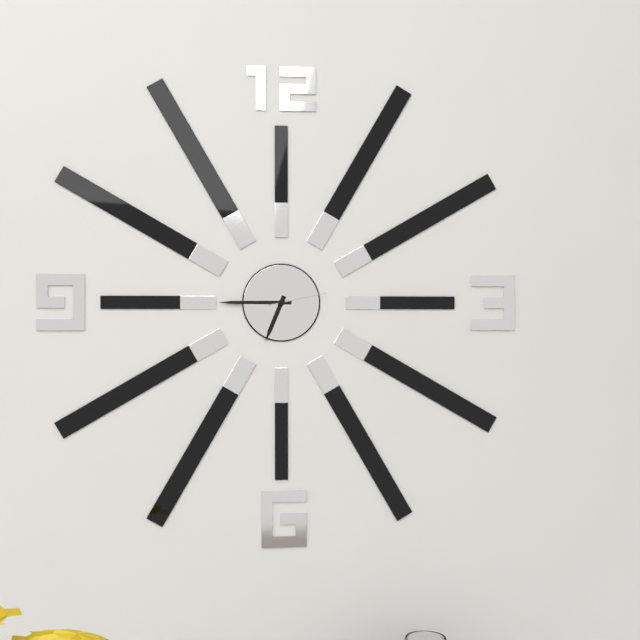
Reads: 6:45:13
